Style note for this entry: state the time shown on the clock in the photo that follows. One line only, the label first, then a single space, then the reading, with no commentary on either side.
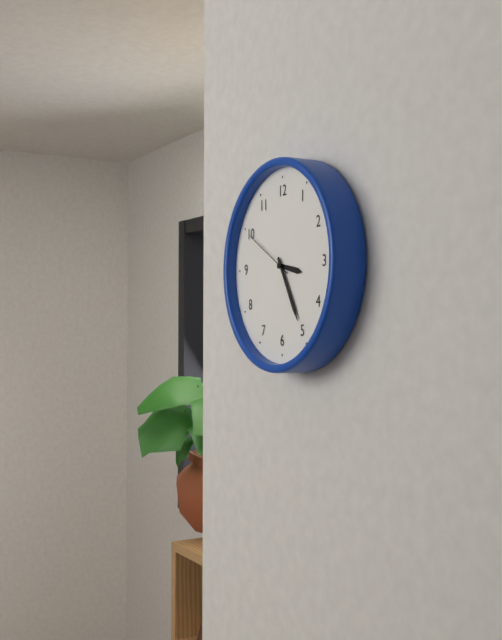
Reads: 3:25:50
